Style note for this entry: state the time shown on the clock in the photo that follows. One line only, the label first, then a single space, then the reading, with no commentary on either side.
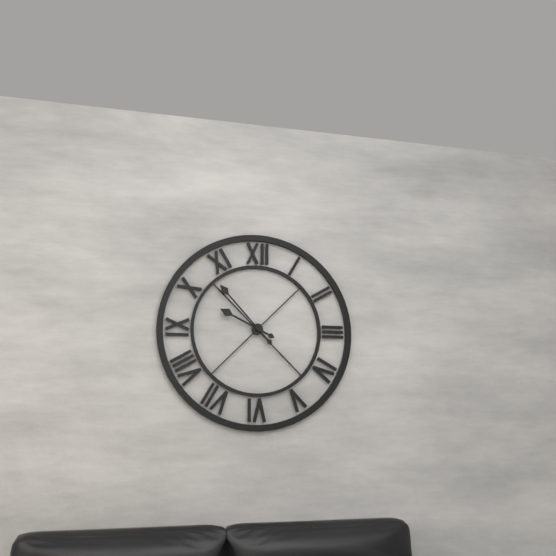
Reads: 9:53
